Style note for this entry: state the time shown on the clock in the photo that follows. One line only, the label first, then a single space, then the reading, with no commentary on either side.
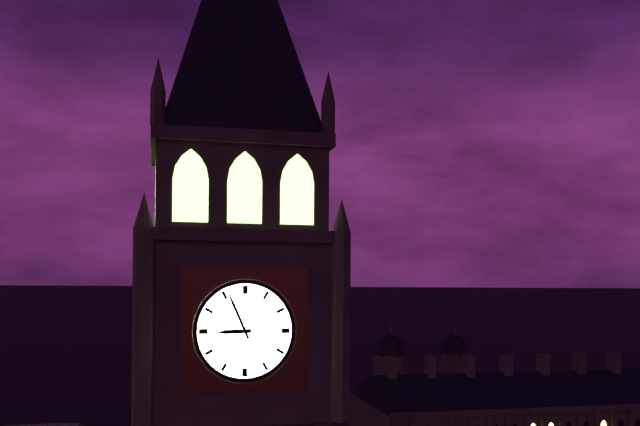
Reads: 8:56
